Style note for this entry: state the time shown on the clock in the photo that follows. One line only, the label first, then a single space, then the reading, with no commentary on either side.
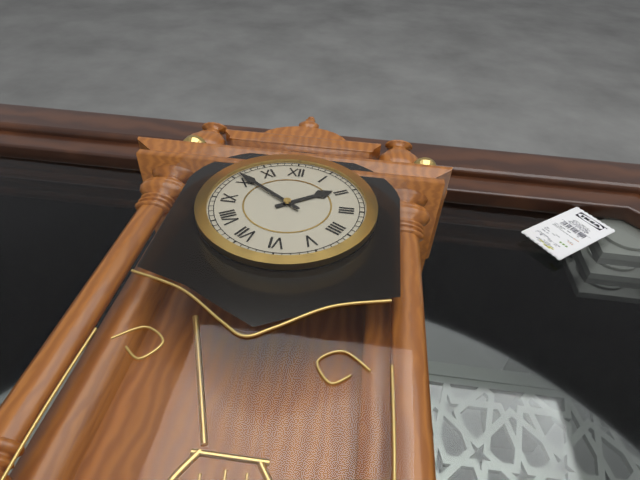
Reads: 1:51
